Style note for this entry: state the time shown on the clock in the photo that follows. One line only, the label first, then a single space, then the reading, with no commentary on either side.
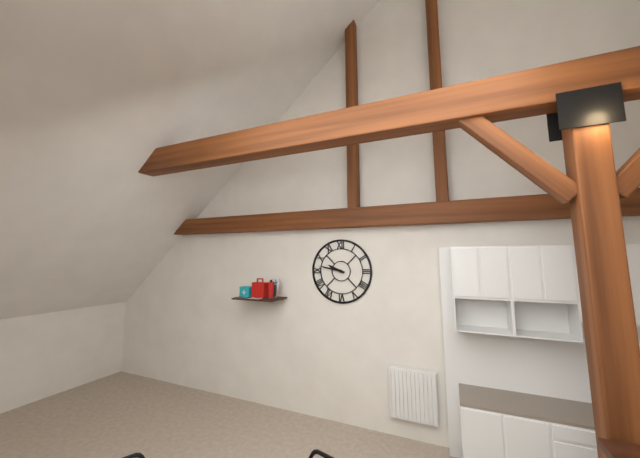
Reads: 9:47
